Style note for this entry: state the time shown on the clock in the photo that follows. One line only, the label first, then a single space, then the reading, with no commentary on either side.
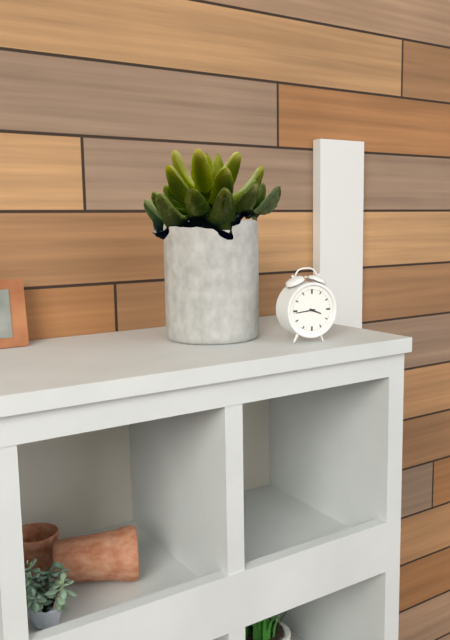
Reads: 3:44
